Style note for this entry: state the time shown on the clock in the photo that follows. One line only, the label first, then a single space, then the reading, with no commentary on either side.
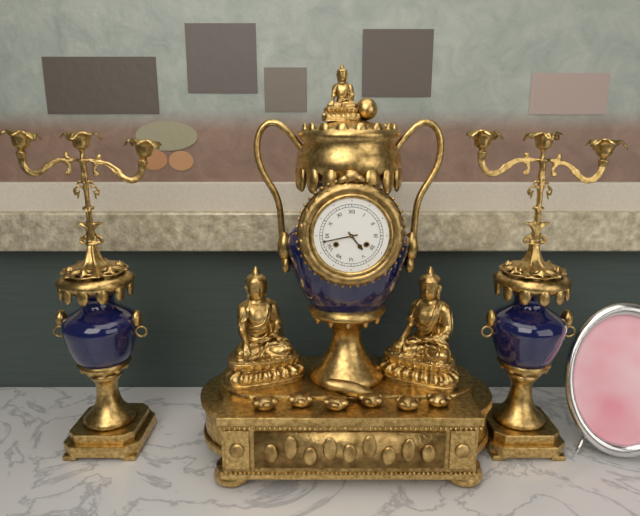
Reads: 4:43
